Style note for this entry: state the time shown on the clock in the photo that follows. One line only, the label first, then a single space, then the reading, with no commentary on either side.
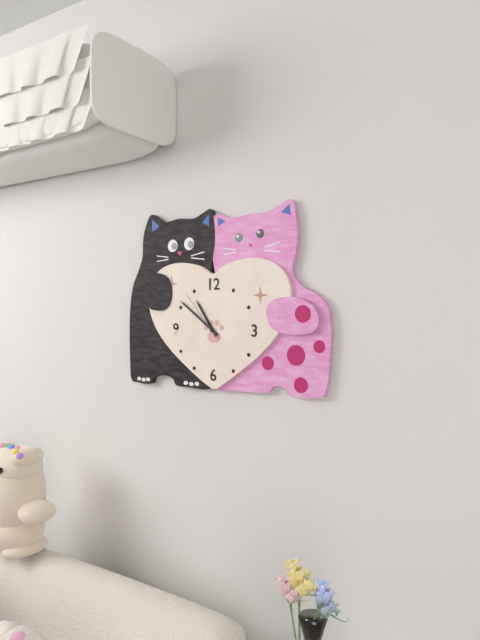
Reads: 10:51:53
